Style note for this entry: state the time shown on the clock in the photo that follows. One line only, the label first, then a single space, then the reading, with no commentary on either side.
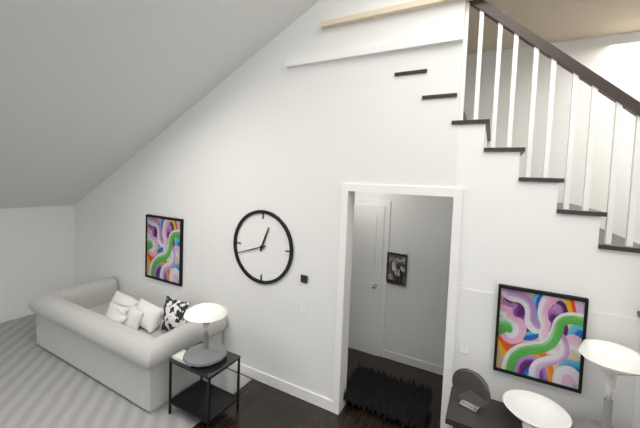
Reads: 12:42
